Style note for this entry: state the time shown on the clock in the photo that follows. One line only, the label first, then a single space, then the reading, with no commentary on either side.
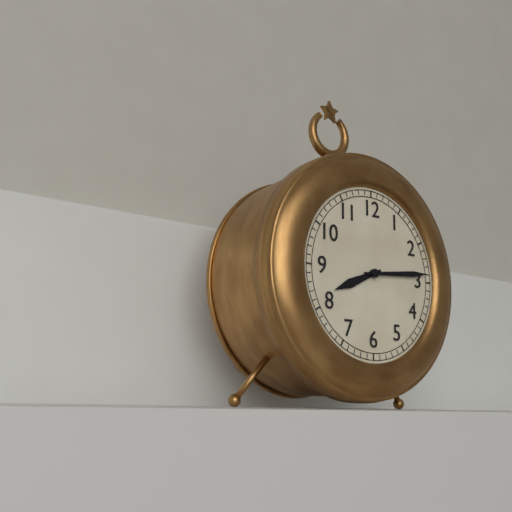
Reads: 8:14
